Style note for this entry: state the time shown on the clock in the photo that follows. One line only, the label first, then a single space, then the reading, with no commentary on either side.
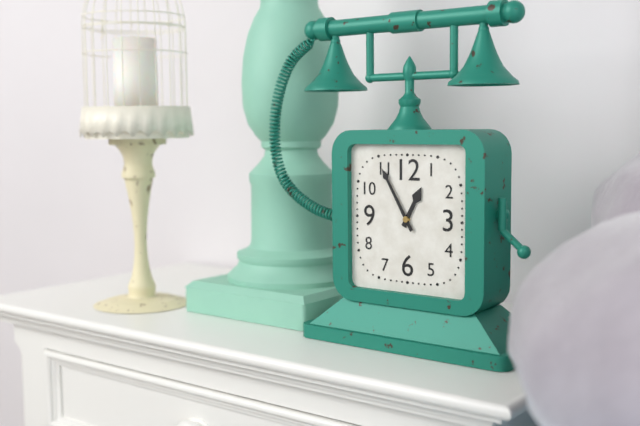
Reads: 12:55
